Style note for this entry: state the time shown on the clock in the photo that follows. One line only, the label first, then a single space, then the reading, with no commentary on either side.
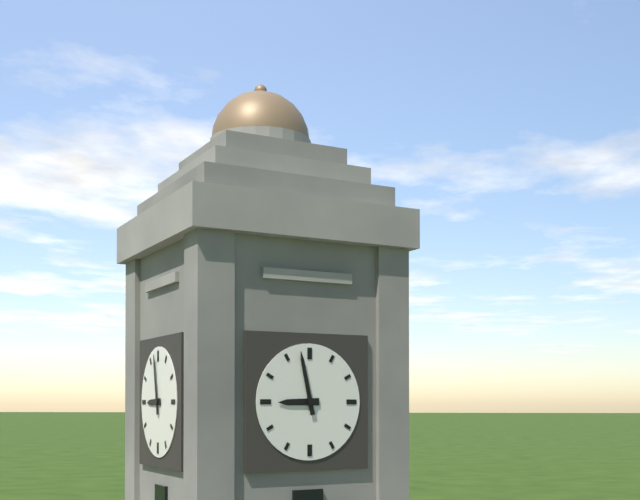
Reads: 8:58
